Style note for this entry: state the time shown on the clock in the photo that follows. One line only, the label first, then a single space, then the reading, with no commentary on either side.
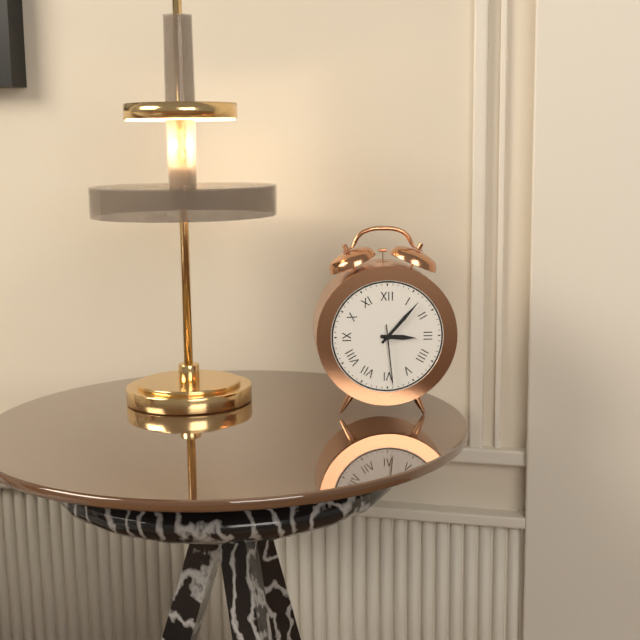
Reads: 3:07:29
